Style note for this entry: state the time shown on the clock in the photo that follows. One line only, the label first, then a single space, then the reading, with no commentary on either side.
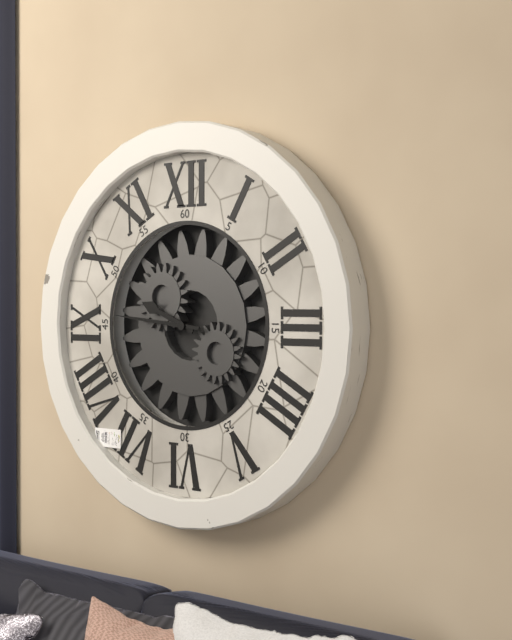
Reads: 9:46
